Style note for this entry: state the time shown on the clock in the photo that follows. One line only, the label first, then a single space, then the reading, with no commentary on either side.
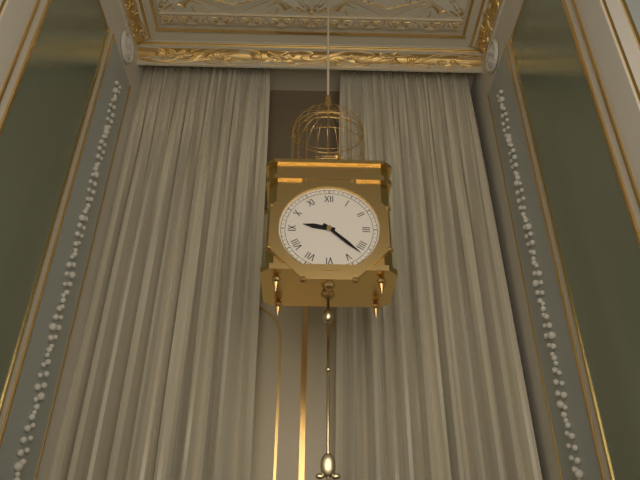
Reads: 9:22
